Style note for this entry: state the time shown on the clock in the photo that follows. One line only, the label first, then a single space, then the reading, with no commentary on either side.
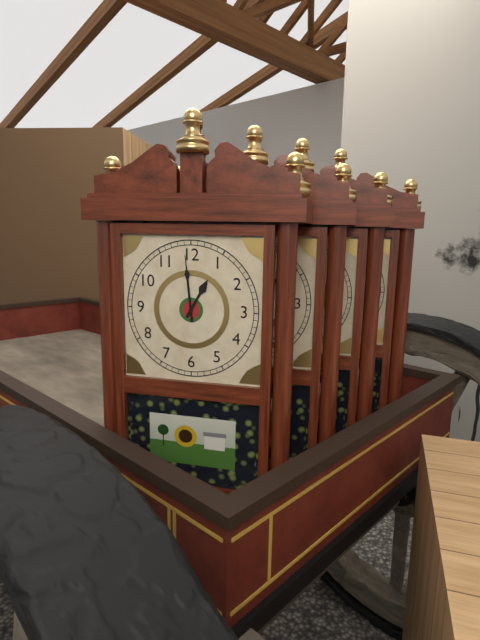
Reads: 12:59
